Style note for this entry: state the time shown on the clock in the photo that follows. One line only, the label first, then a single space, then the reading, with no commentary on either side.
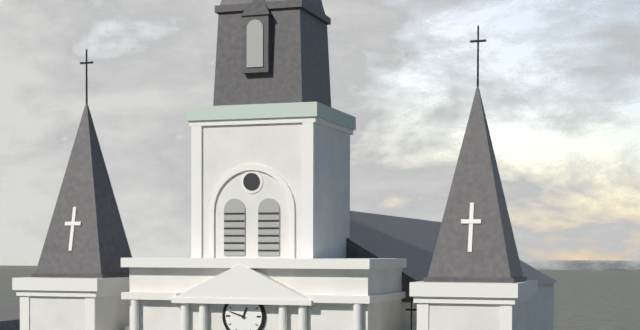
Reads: 12:48
